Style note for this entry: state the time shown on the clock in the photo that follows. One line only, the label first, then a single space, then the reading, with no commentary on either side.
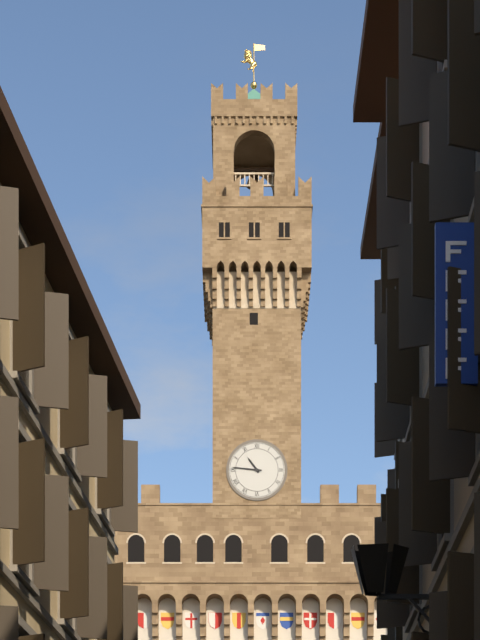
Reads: 10:46
